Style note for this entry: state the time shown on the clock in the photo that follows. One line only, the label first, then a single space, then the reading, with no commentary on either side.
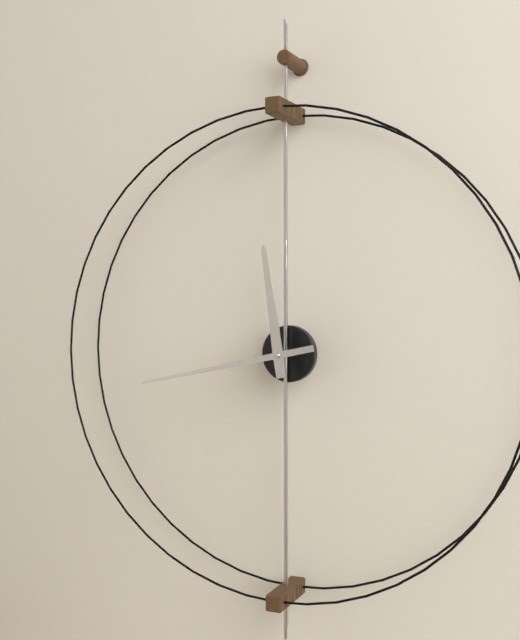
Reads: 11:43
